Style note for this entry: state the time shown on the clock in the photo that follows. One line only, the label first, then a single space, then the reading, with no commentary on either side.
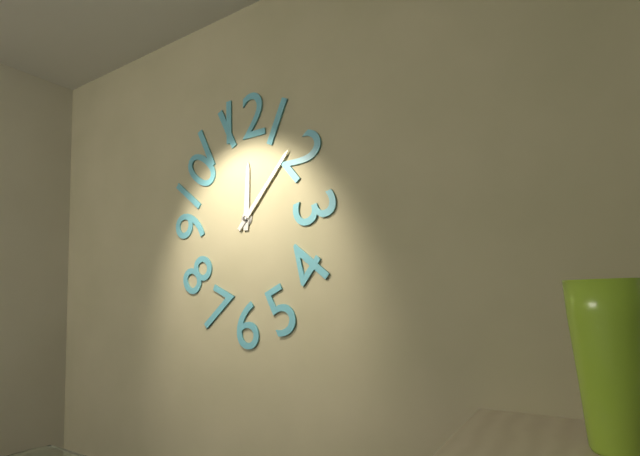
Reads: 12:07
